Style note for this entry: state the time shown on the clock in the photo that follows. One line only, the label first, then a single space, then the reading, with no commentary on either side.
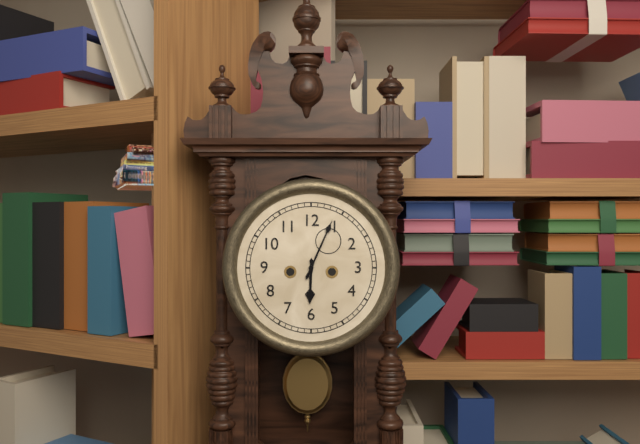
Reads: 6:04
